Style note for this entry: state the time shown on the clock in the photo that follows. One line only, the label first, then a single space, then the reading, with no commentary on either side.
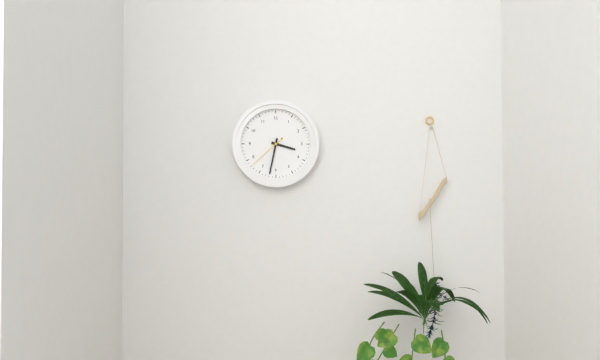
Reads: 3:32
